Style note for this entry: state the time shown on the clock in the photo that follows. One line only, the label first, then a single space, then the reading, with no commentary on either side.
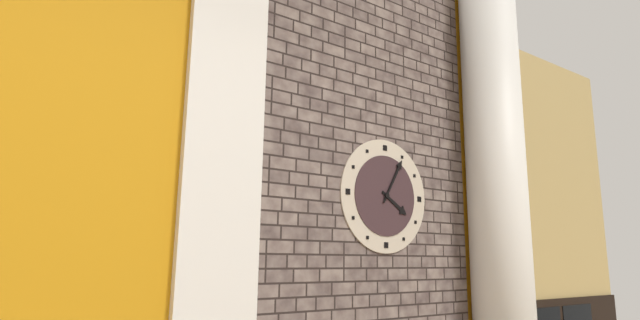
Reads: 4:05
